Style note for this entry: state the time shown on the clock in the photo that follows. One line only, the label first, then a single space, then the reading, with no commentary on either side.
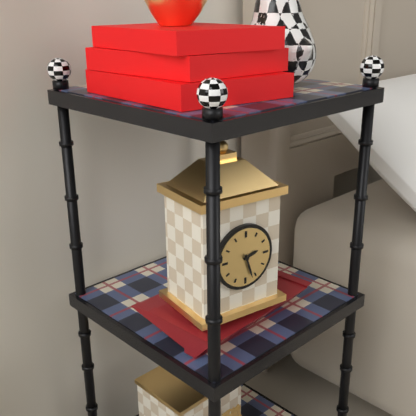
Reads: 2:27
